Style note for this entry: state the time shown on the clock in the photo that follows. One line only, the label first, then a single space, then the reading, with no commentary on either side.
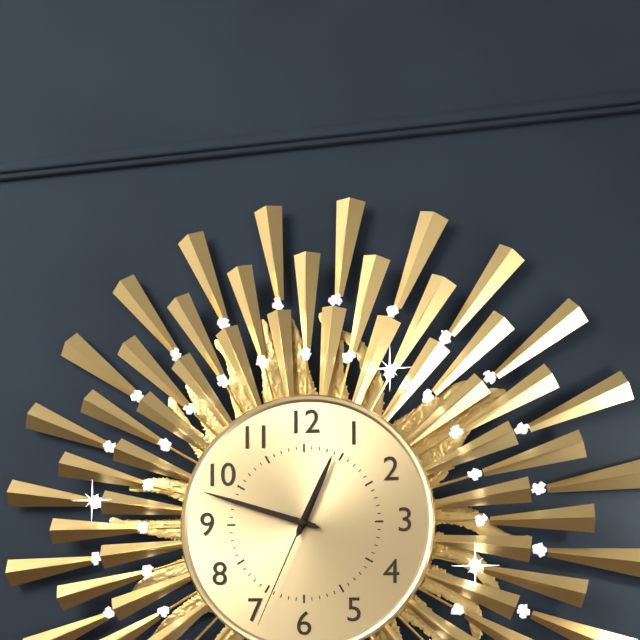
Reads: 12:48:34
